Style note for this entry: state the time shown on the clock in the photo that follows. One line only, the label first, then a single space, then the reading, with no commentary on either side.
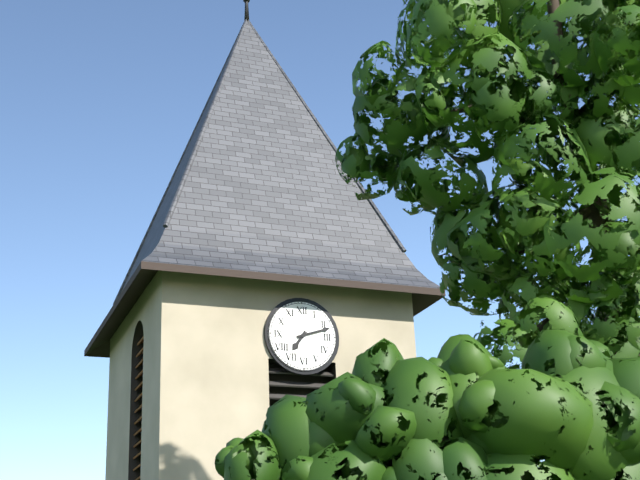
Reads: 7:12
